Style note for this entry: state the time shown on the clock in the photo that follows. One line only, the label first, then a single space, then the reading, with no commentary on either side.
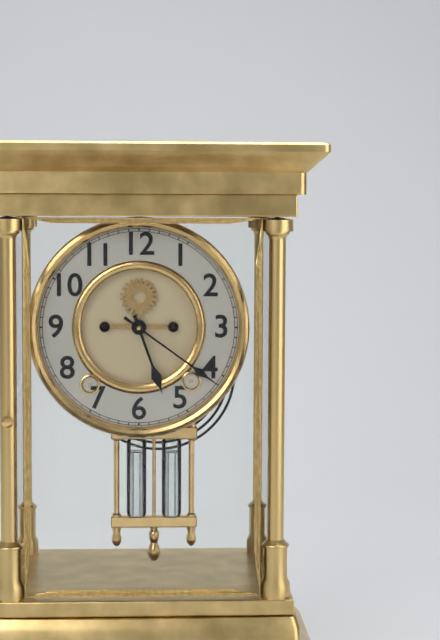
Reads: 5:21
